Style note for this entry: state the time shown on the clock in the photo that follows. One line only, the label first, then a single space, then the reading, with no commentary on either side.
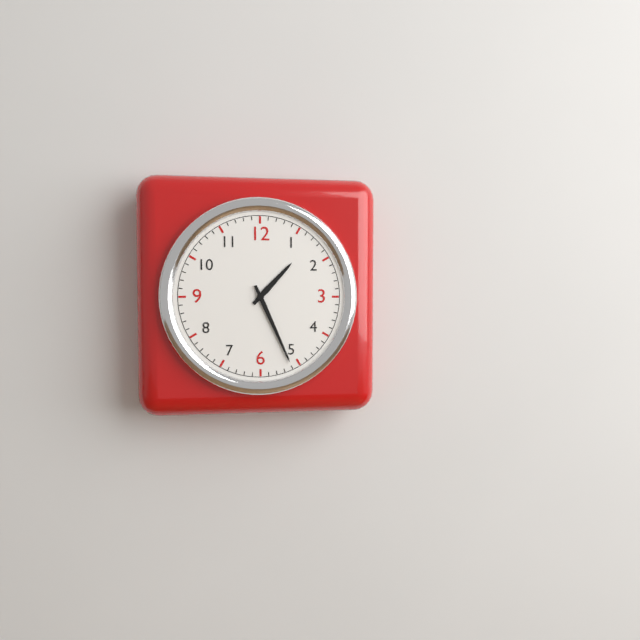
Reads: 1:26
